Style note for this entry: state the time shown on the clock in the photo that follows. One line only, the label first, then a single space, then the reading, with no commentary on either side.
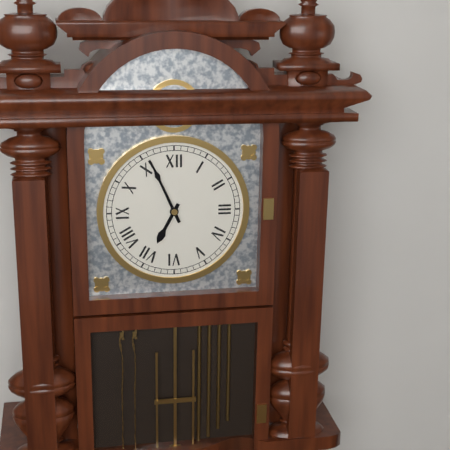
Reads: 6:56
